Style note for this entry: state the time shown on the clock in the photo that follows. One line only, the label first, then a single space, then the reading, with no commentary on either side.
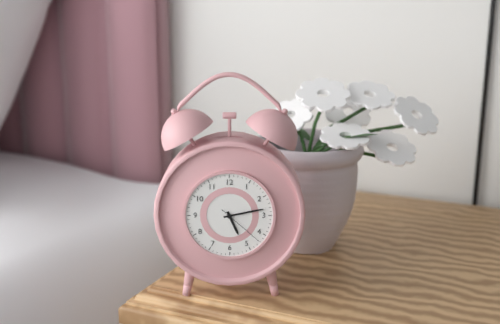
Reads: 5:13
